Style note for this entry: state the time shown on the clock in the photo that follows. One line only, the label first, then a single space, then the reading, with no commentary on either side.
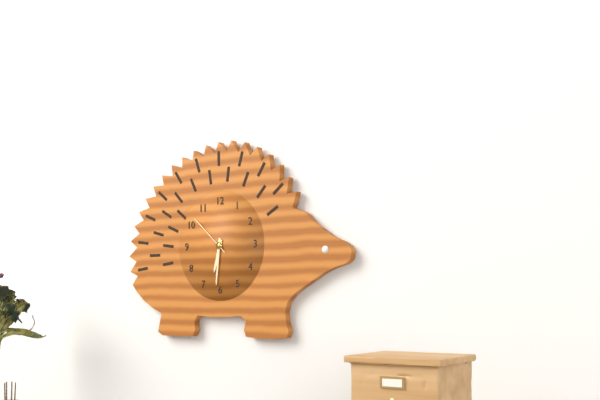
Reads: 6:31
